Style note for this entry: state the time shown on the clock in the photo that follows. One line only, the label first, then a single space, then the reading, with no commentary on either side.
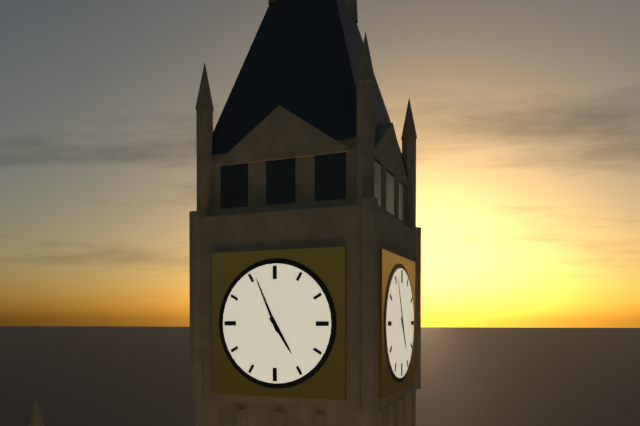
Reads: 4:56
